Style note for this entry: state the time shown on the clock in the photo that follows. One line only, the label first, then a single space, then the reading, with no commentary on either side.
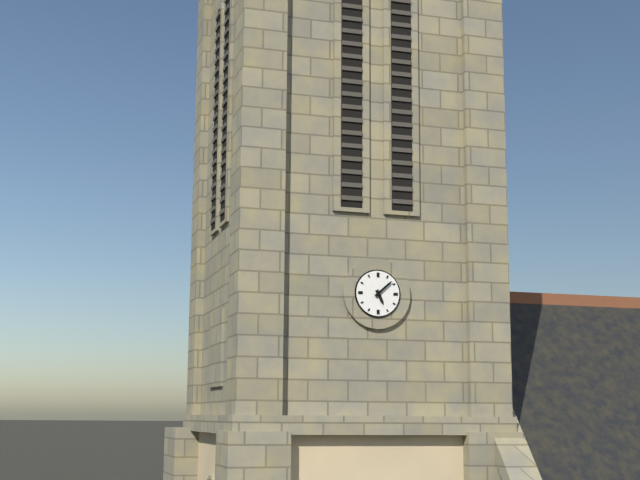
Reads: 5:08
